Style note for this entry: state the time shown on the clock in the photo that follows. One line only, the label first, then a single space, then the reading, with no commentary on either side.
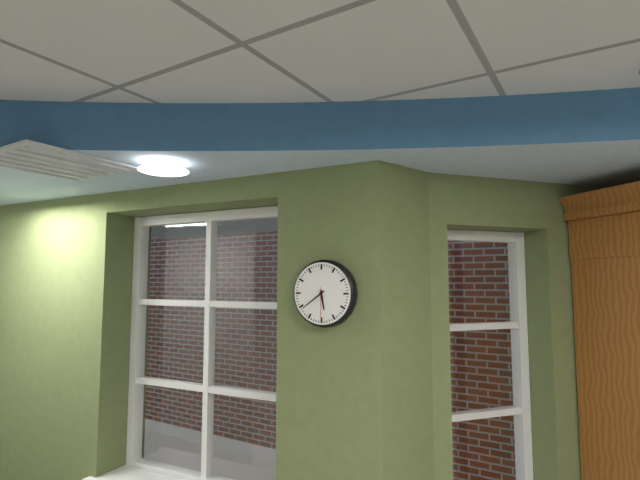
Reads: 5:39
